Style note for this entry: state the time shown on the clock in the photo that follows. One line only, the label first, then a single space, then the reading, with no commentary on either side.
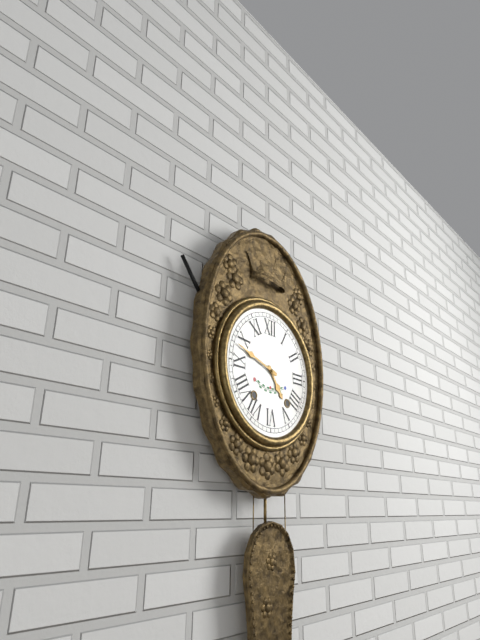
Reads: 4:48
